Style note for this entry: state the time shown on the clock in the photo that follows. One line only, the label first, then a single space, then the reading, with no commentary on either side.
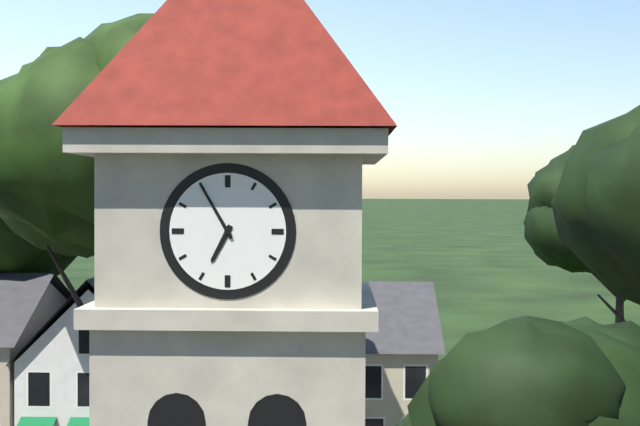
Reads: 6:55
